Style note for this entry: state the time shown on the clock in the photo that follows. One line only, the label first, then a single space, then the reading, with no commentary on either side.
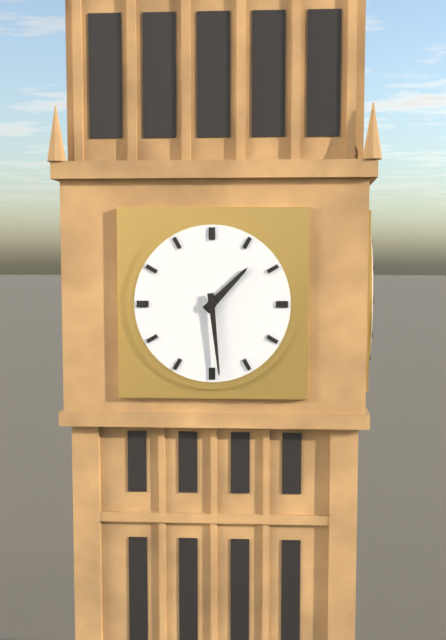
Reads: 1:29
